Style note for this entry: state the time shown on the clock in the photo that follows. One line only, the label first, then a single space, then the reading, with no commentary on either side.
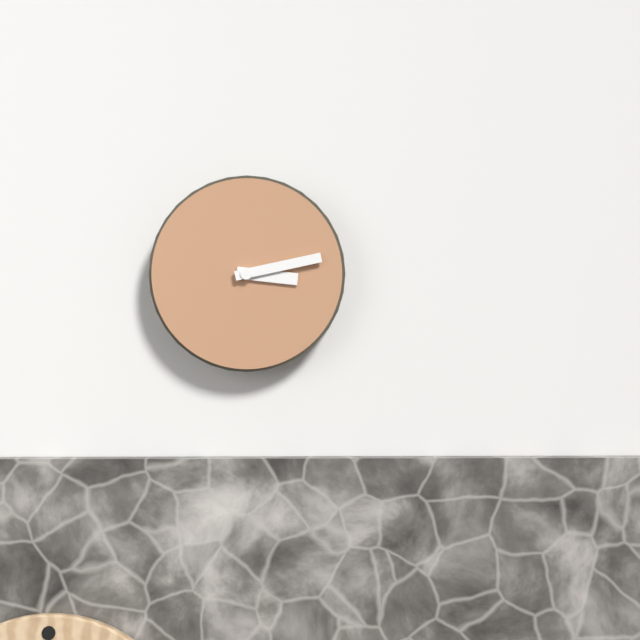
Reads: 3:13
